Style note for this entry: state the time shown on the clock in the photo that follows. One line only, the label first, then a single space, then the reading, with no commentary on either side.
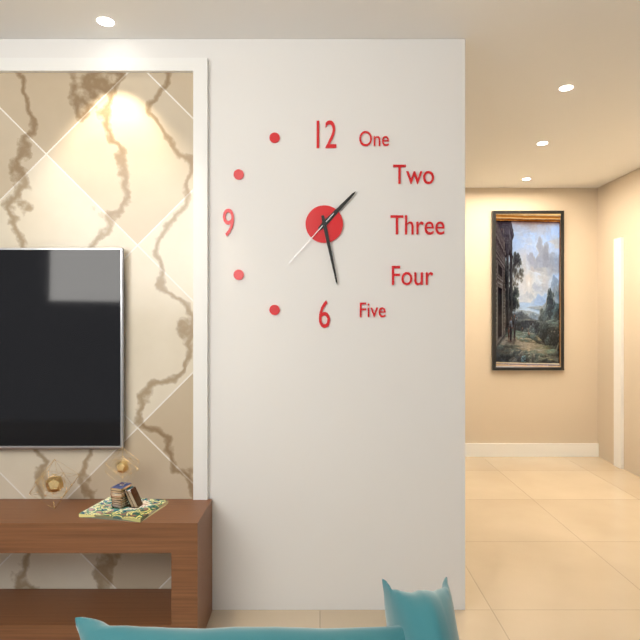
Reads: 1:28:37
